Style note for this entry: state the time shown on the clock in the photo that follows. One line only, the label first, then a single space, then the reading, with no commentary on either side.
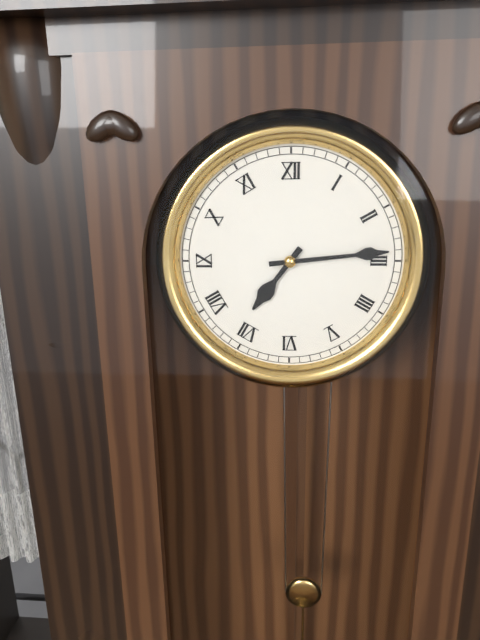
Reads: 7:14
